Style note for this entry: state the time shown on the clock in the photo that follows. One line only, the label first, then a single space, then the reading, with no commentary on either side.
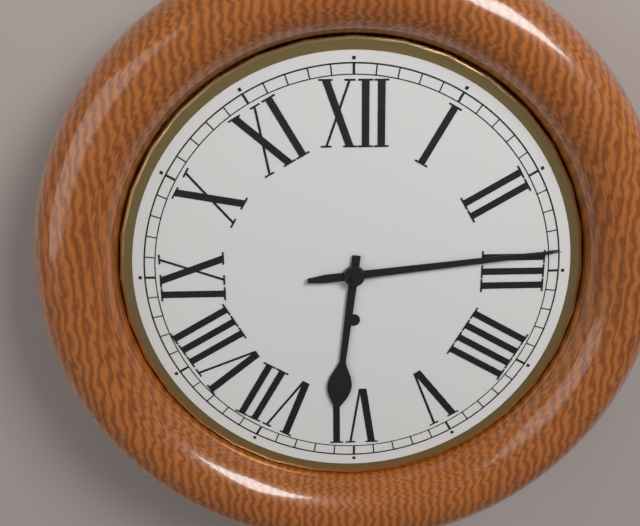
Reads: 6:14
